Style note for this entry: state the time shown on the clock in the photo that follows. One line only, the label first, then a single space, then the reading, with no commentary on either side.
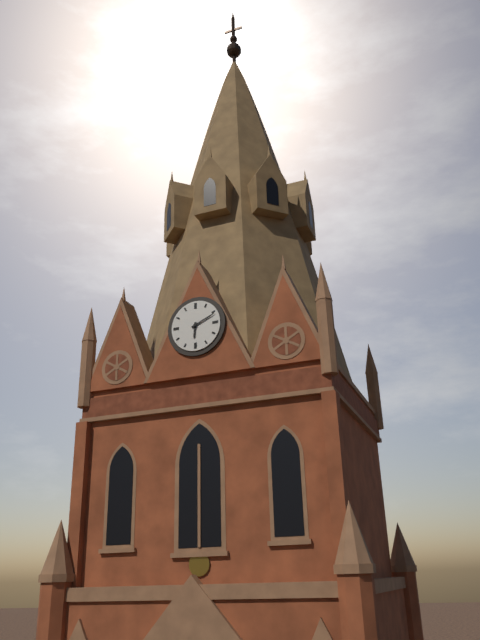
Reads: 6:11
